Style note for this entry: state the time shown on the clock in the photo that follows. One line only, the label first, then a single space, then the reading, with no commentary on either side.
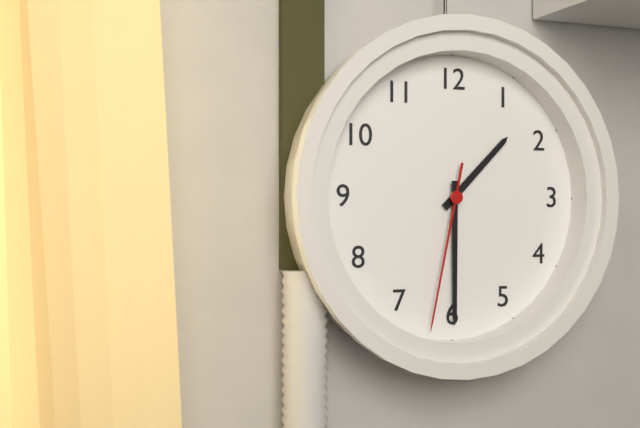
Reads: 1:30:32
